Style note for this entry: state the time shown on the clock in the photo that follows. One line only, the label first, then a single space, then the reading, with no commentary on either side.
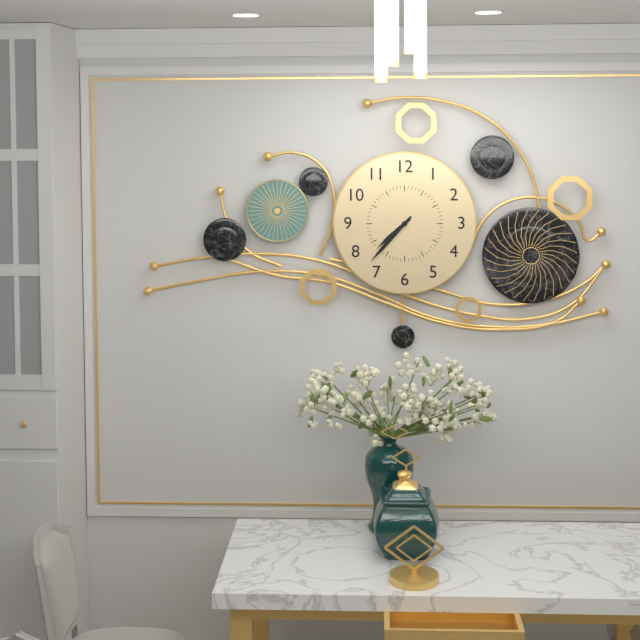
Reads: 7:37
